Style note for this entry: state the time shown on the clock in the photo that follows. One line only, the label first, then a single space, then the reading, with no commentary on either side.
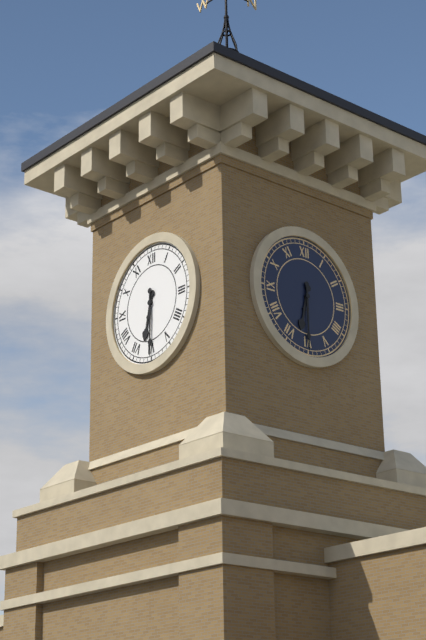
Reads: 6:30
